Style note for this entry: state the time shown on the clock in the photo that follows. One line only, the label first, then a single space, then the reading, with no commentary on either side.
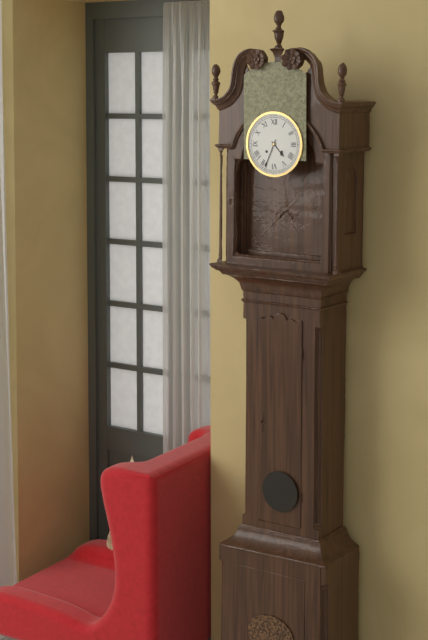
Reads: 4:34
